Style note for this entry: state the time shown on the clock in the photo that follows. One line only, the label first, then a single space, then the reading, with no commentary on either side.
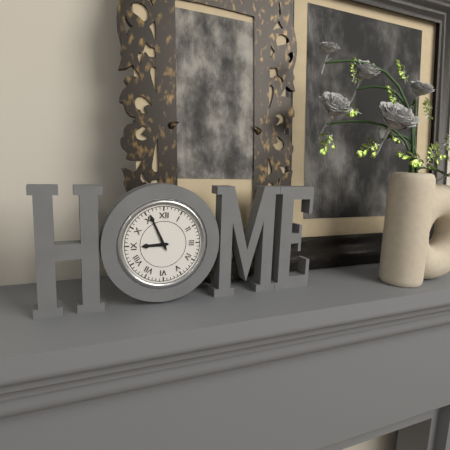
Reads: 8:56
